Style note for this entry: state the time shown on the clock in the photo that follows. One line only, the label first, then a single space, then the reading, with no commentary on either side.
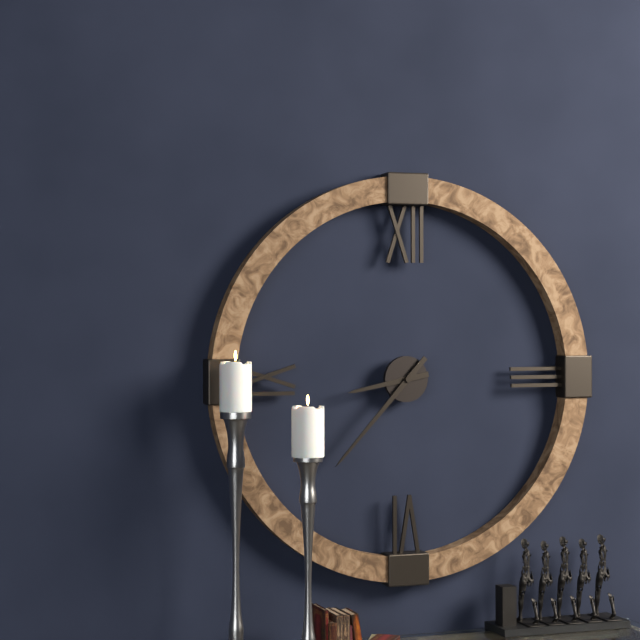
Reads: 8:37
